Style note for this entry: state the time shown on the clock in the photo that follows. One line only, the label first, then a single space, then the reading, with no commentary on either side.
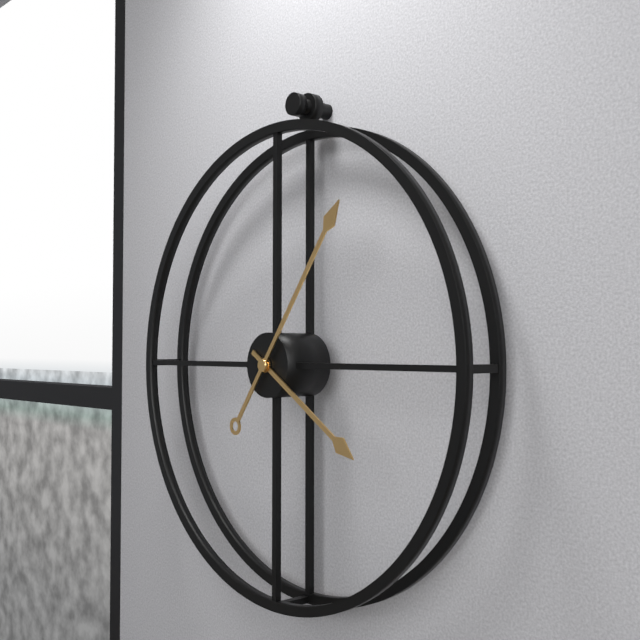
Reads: 4:06
